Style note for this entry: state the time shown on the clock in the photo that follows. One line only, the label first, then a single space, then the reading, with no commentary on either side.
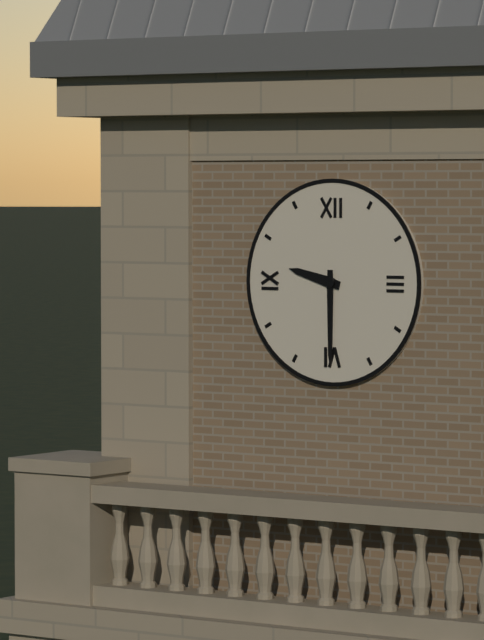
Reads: 9:30
